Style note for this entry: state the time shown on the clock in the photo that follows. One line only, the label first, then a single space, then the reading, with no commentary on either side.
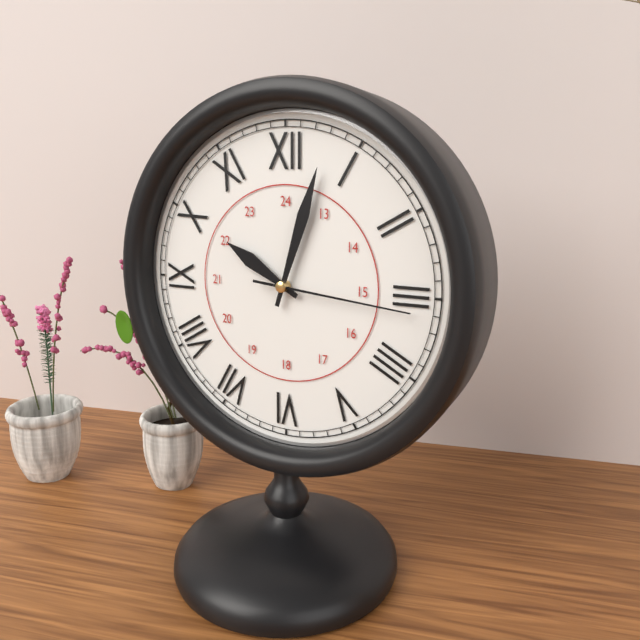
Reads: 10:03:16
